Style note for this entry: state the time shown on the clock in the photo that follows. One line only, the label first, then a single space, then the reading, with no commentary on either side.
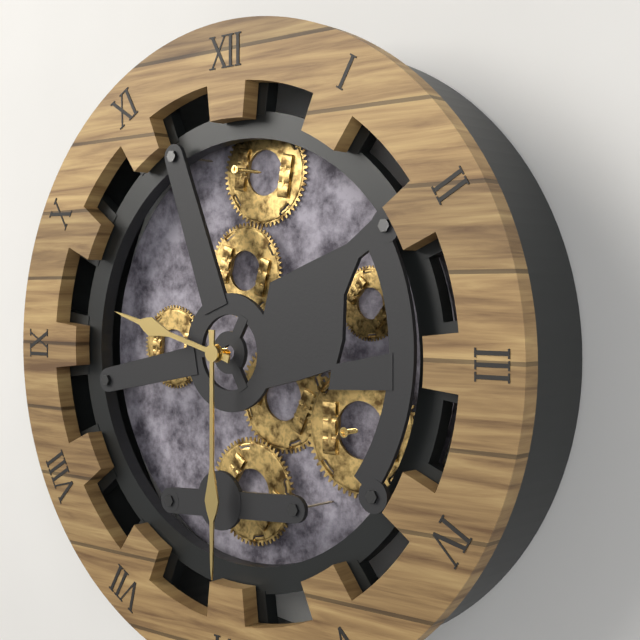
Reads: 9:30
